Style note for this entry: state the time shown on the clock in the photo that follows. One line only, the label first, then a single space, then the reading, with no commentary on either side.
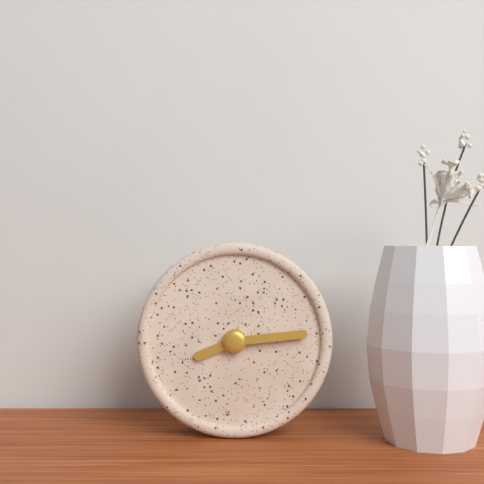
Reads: 8:14
